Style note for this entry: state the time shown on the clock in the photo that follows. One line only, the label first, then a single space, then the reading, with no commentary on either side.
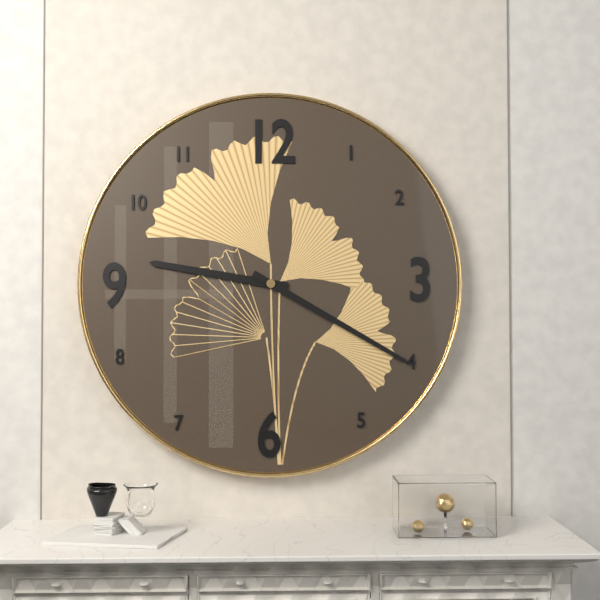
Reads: 9:20
